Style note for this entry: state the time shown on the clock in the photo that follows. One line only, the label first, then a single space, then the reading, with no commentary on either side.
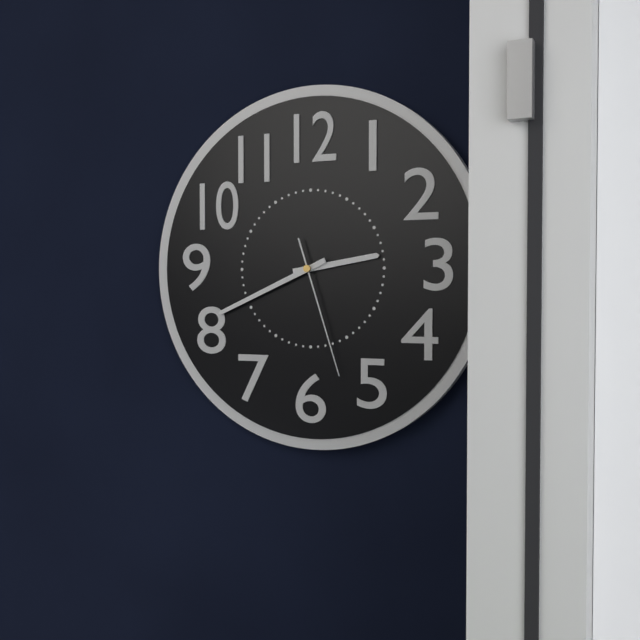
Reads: 2:41:27
